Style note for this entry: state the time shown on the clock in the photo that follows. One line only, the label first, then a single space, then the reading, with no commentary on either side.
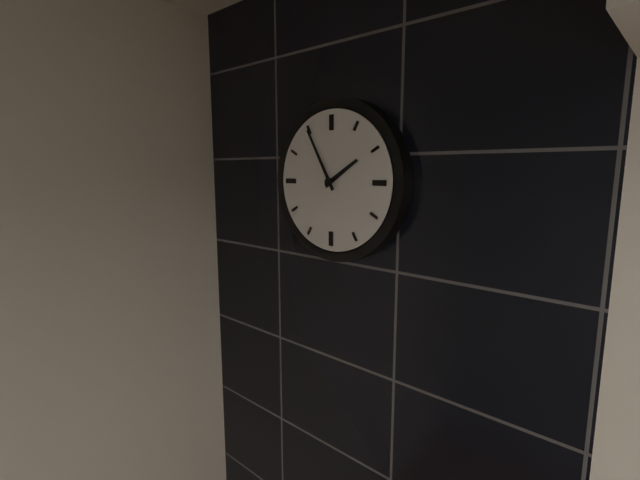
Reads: 1:55
